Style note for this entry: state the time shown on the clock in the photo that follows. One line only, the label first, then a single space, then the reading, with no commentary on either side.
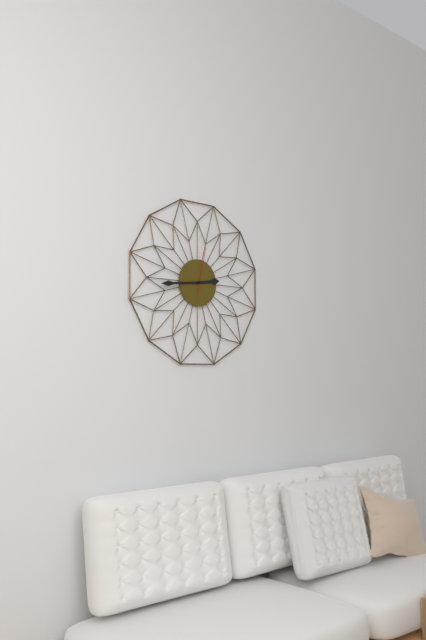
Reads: 2:44
